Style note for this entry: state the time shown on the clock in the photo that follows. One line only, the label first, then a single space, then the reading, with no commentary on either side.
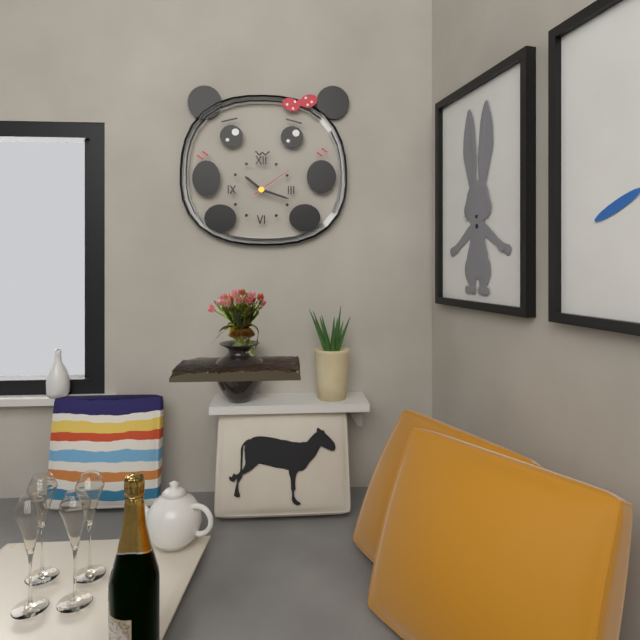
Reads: 10:18
